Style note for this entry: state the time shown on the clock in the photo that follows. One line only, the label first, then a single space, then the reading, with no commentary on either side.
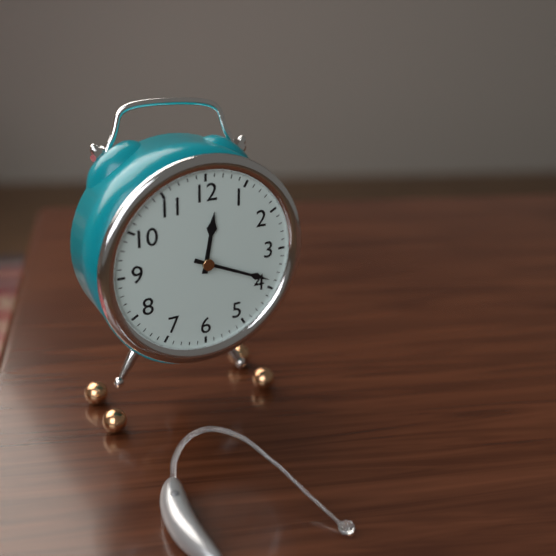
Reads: 12:19
